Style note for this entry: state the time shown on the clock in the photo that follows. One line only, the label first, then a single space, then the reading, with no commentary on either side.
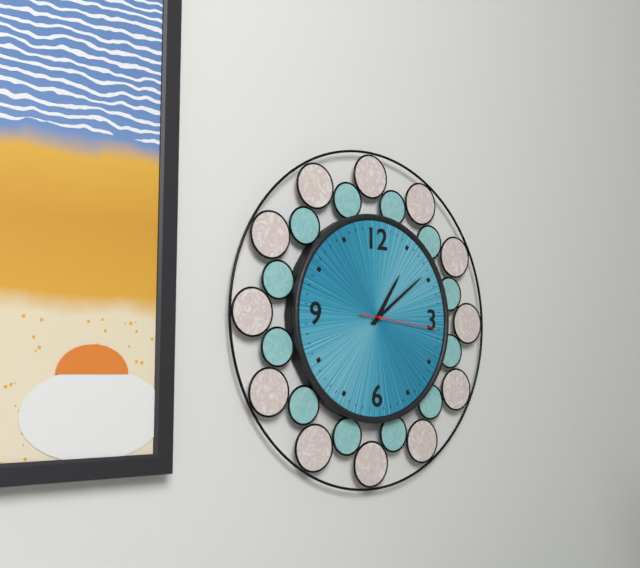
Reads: 1:09:16
